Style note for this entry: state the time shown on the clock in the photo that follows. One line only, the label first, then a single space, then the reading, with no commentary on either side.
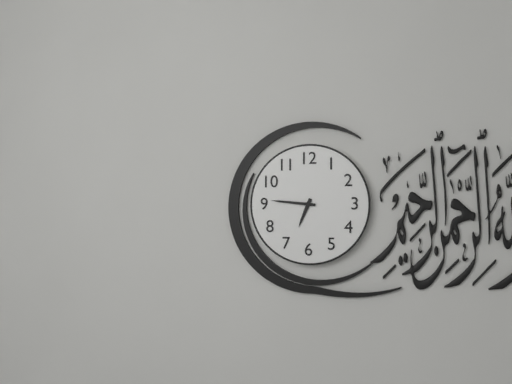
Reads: 6:46
